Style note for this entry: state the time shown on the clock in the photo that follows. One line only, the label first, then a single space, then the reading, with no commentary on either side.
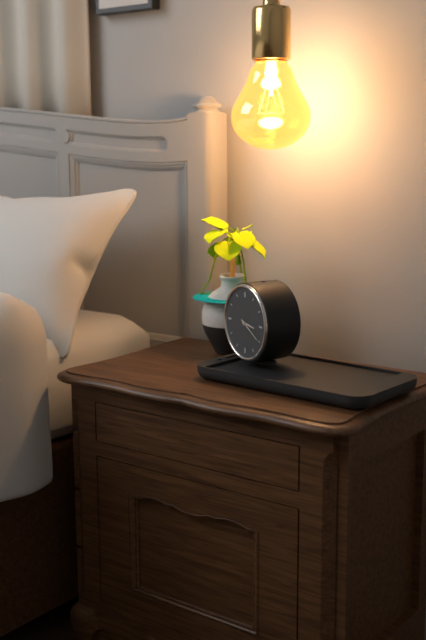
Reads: 3:20
